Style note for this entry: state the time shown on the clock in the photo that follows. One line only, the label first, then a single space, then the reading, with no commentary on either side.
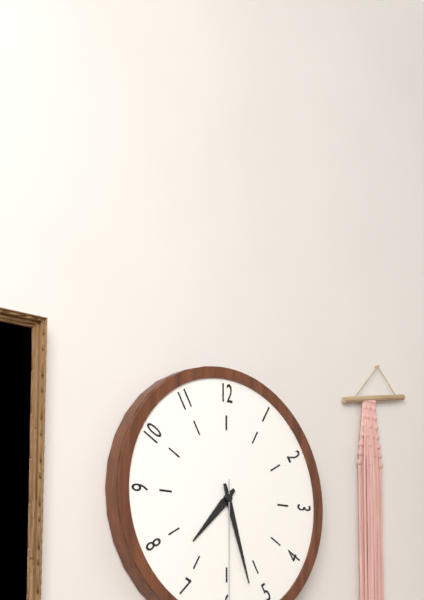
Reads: 7:27
